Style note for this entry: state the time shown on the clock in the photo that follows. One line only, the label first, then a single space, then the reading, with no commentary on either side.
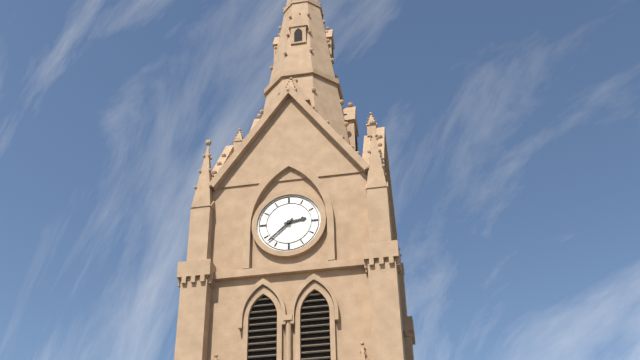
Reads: 2:38
